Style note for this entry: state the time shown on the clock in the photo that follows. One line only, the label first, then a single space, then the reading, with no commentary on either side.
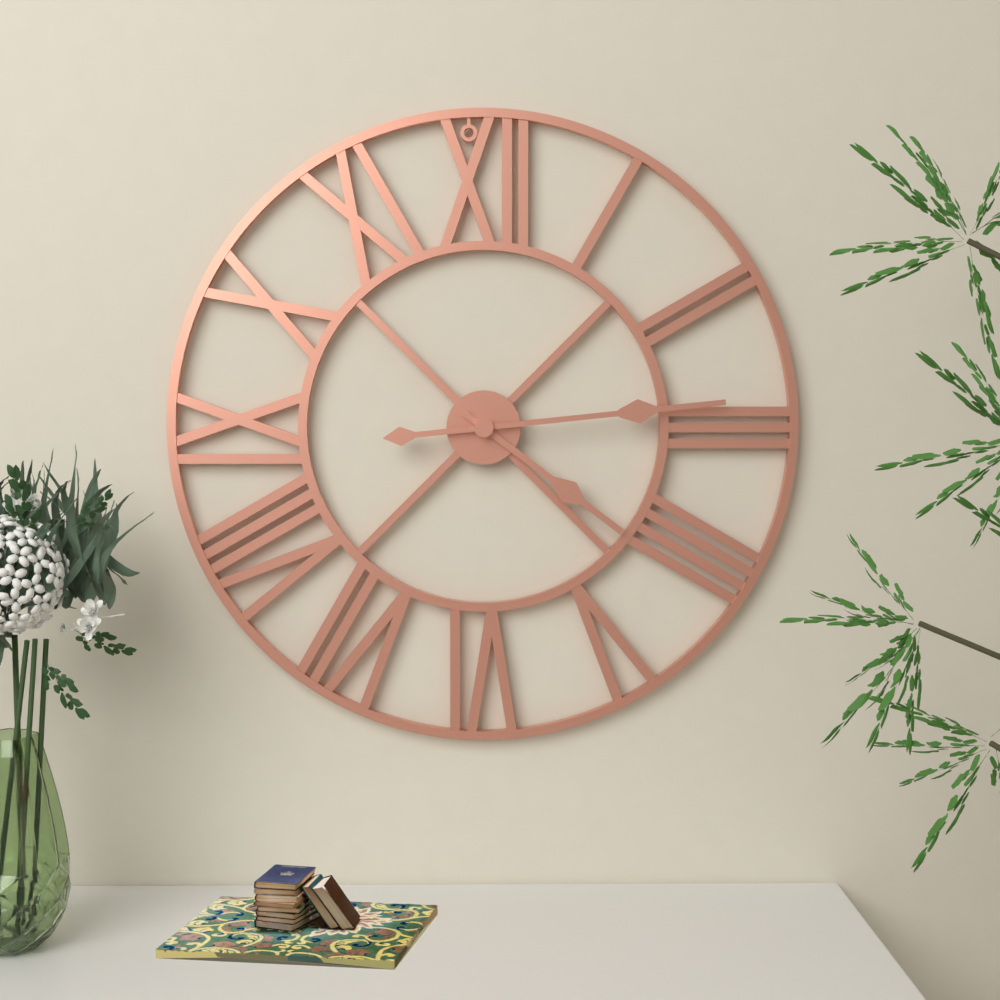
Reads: 4:14
